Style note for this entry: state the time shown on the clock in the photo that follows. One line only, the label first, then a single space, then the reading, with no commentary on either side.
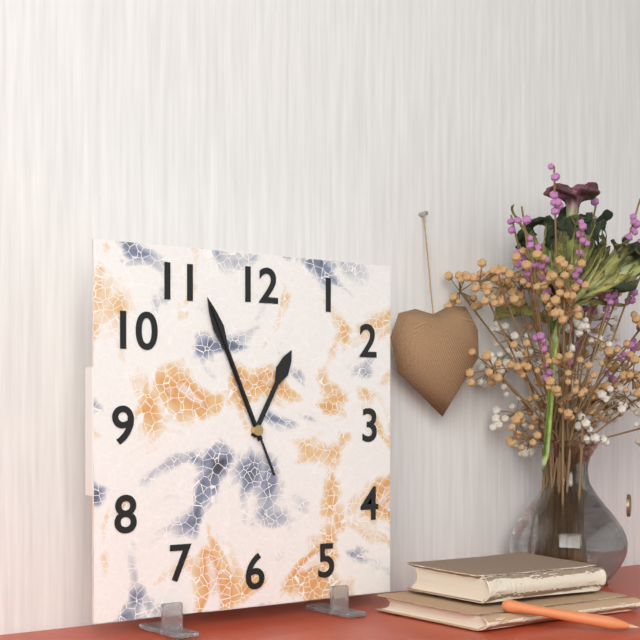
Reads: 12:56:56
